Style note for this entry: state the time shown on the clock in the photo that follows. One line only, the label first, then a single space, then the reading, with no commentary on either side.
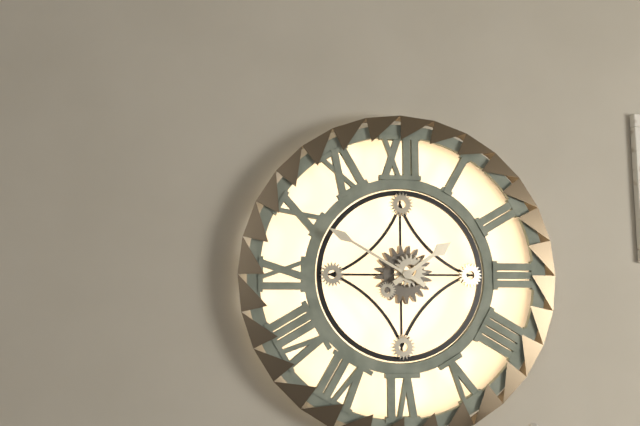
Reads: 1:50
